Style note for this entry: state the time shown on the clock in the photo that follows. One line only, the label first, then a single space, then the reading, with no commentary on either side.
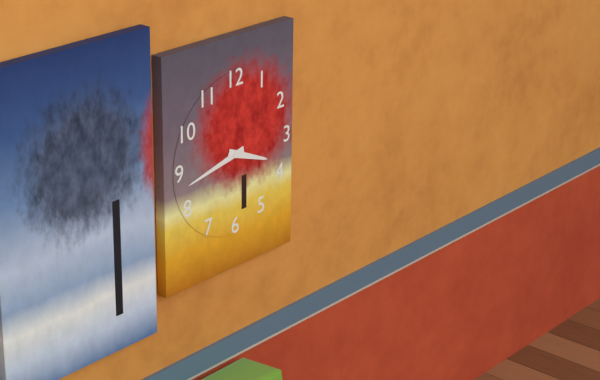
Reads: 3:43
